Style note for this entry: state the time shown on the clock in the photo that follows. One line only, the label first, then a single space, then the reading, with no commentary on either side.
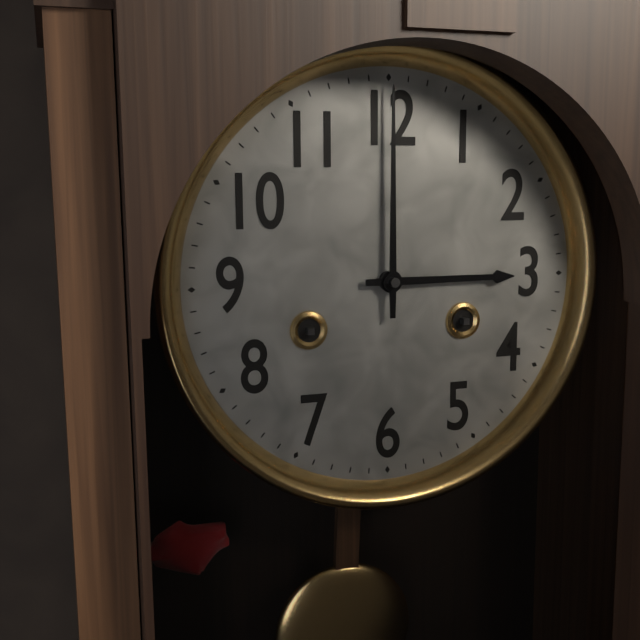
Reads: 3:00
